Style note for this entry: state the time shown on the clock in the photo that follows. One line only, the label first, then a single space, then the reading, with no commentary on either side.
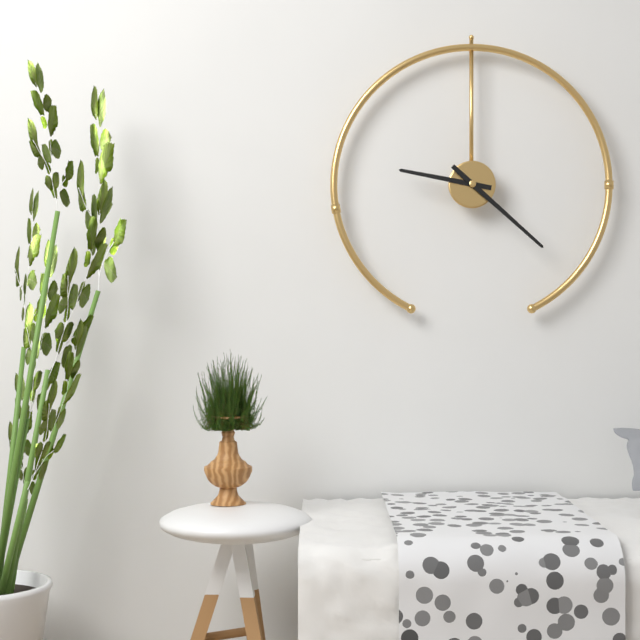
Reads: 9:22
